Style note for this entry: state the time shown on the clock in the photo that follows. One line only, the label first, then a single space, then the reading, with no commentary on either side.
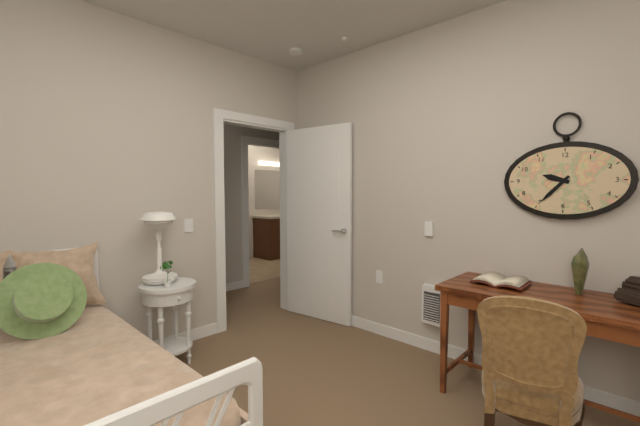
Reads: 9:37
